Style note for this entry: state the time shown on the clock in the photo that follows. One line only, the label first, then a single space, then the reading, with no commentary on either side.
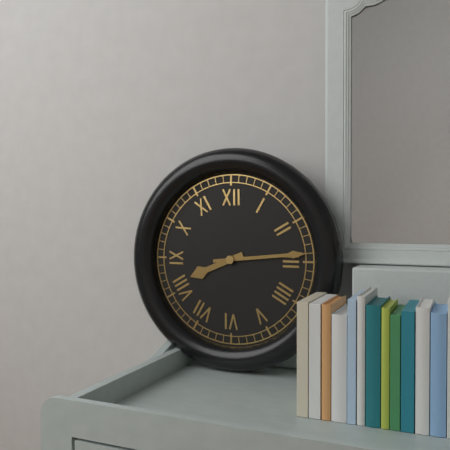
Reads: 8:14
